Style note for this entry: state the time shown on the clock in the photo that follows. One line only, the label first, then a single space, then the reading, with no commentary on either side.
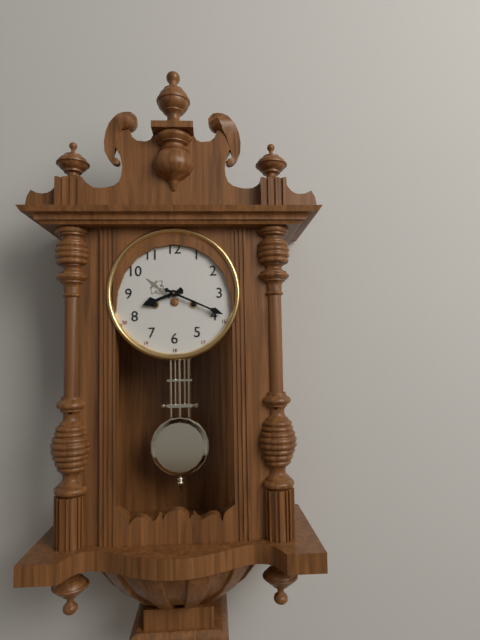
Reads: 8:19
